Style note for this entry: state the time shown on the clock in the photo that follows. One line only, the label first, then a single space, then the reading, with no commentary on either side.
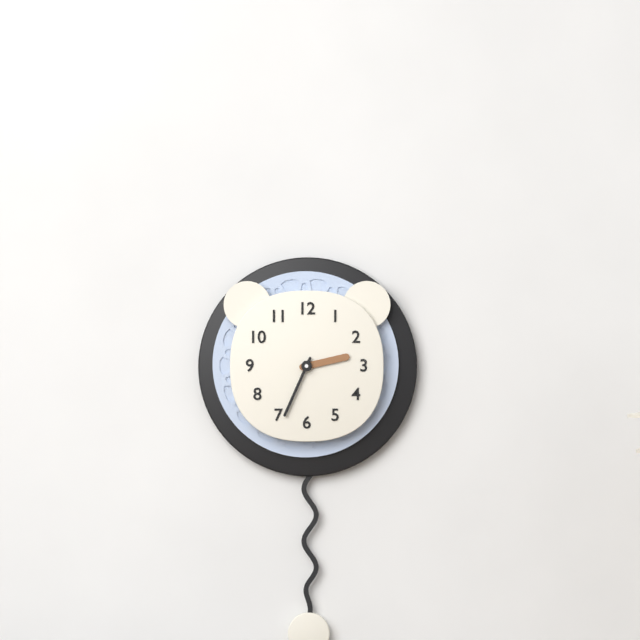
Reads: 2:34
